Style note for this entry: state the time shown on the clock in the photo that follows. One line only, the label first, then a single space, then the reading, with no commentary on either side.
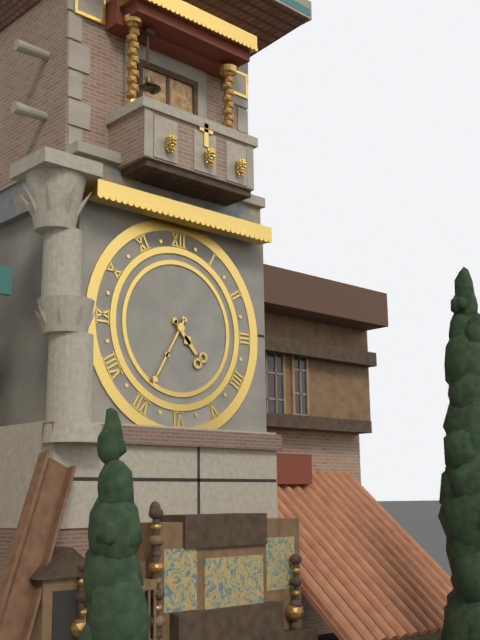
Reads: 4:35
